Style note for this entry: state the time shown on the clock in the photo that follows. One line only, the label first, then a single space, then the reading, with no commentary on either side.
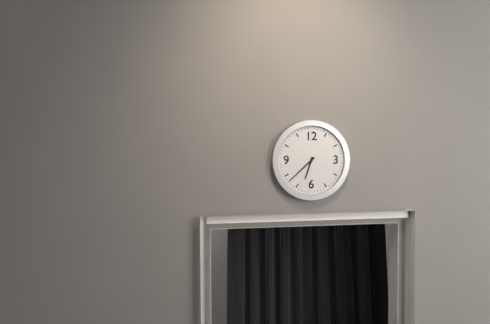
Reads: 6:38
